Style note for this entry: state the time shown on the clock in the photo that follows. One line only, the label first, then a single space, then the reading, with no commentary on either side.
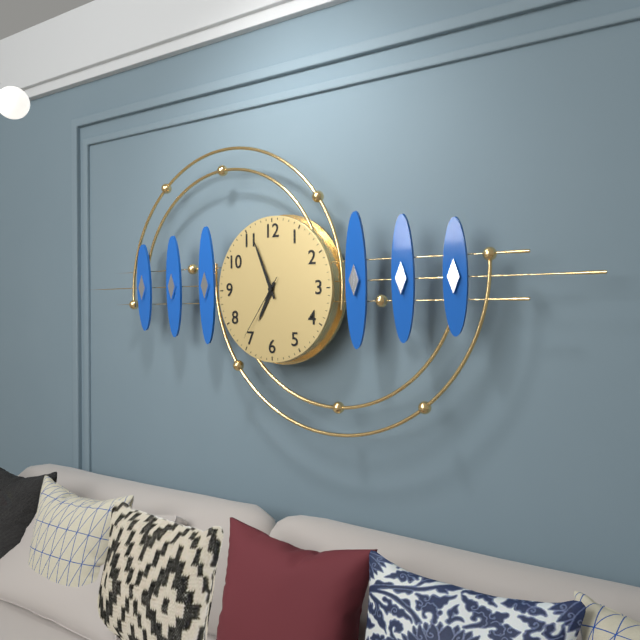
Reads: 6:56:36
